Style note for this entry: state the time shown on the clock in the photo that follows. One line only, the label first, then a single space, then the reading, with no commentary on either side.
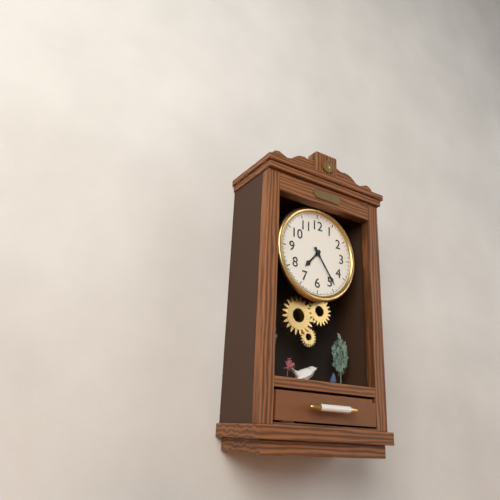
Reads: 7:24
